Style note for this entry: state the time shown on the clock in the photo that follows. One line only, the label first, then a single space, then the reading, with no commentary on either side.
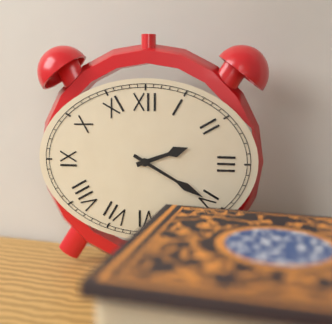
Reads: 2:20
